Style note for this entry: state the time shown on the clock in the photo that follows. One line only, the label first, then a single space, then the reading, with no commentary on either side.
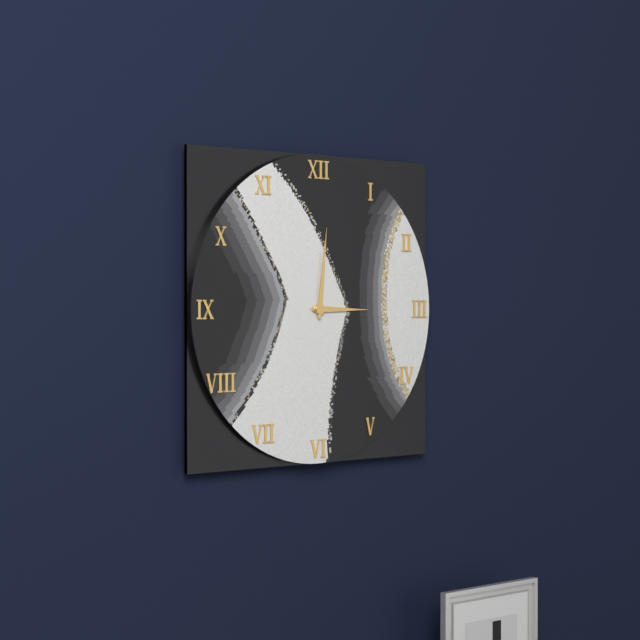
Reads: 3:01
